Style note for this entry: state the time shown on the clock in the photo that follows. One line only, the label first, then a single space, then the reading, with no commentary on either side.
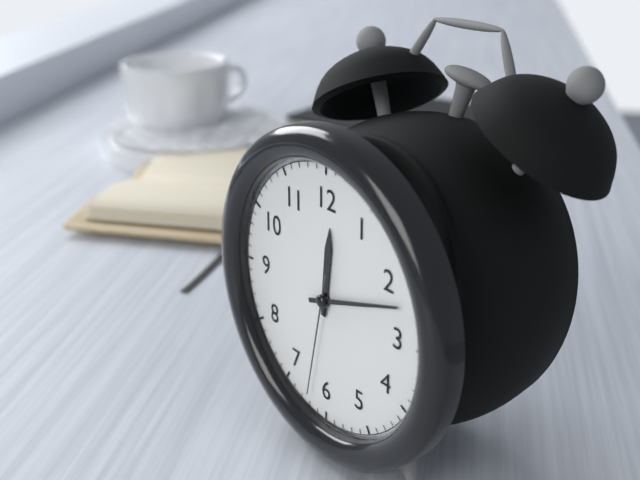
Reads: 12:12:32
